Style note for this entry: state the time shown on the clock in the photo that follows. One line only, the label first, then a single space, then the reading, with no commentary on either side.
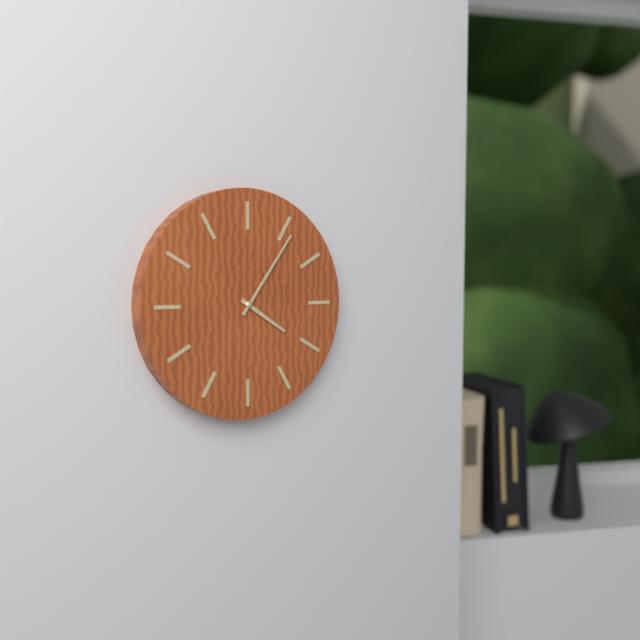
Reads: 4:06
